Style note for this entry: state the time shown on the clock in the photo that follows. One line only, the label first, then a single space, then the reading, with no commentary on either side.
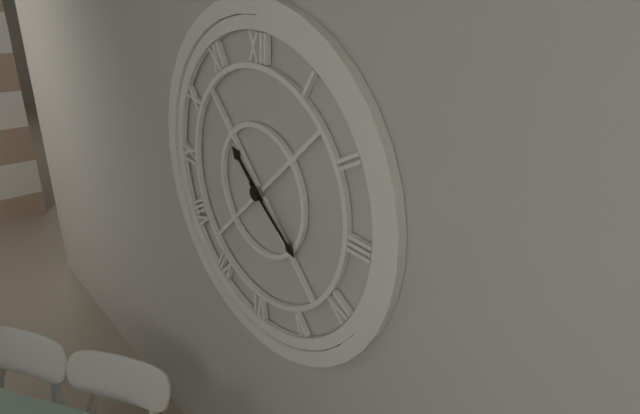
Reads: 10:21
